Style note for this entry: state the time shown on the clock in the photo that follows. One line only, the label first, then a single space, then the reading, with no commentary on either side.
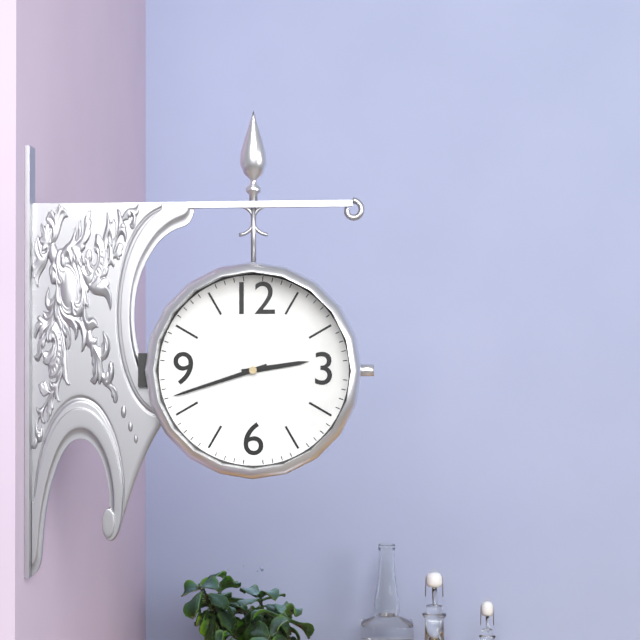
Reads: 2:42
